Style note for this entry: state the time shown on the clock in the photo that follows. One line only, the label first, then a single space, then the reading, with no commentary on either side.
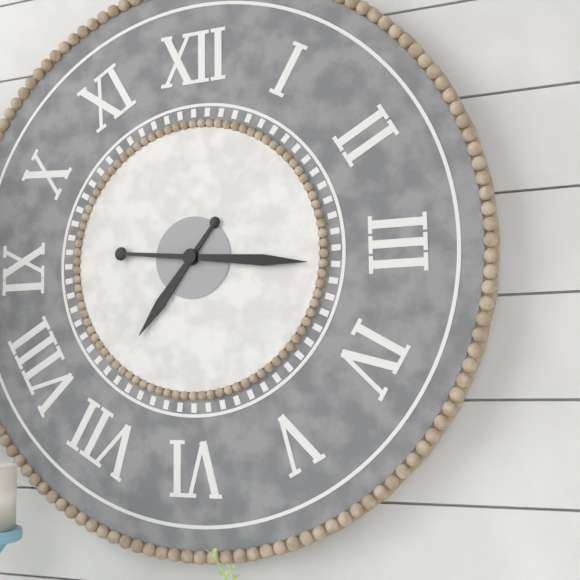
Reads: 7:16
